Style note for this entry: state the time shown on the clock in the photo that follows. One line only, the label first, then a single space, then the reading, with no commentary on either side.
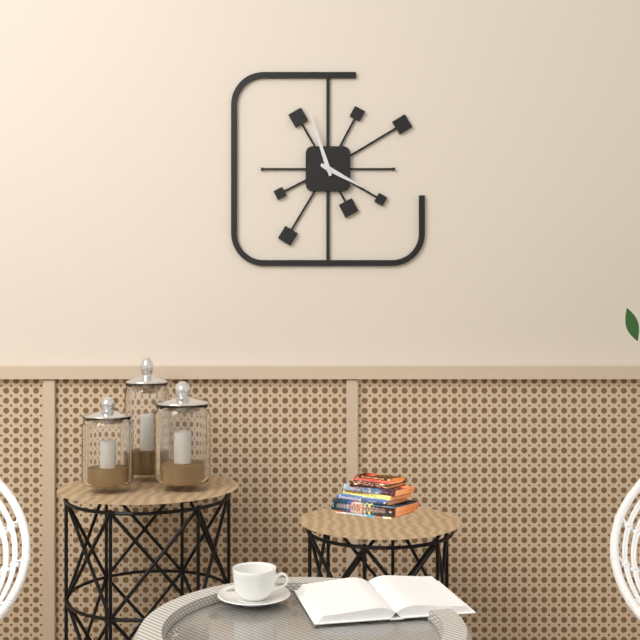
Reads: 3:57
